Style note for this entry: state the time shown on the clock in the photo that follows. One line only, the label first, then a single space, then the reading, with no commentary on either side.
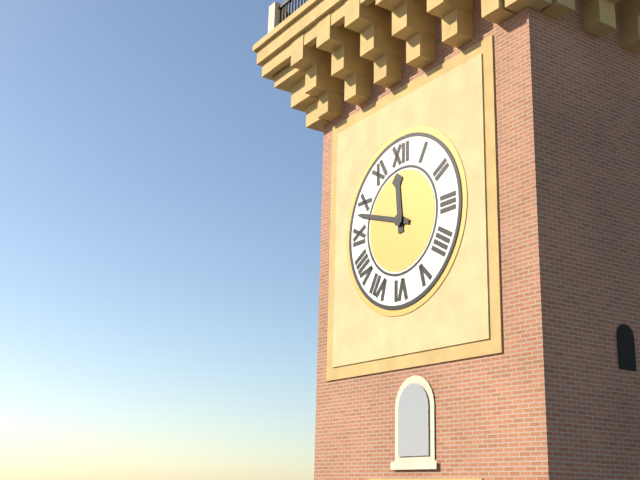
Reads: 11:48
